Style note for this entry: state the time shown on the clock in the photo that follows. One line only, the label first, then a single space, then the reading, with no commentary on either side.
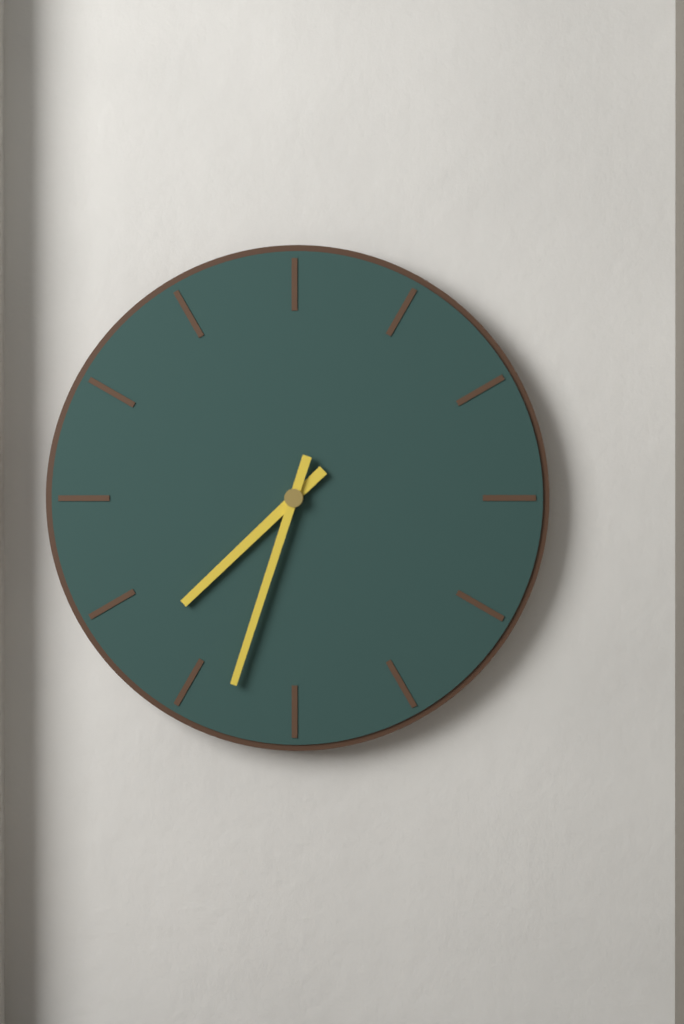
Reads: 7:33
